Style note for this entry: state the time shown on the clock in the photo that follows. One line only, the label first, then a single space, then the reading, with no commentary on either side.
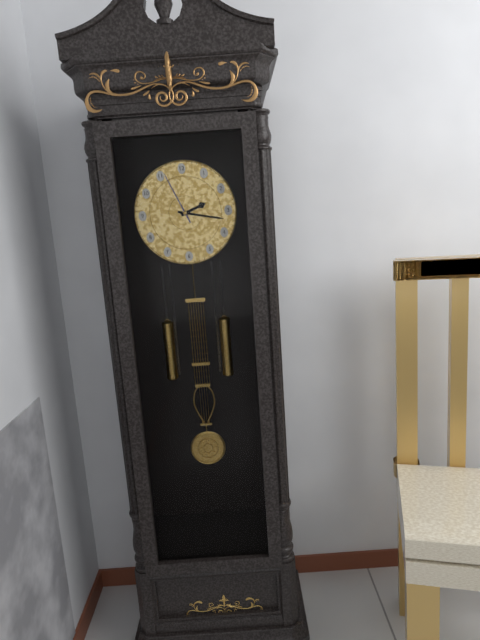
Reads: 2:17:56
